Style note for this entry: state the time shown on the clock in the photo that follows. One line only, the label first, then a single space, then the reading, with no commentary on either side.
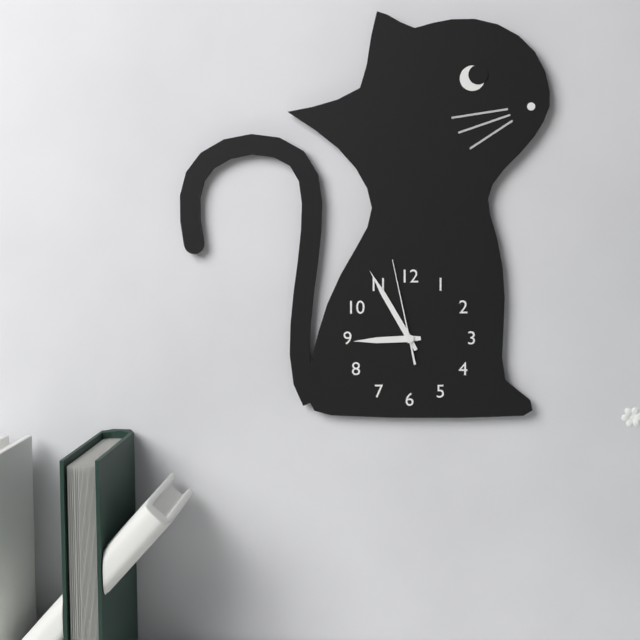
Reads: 8:55:58
